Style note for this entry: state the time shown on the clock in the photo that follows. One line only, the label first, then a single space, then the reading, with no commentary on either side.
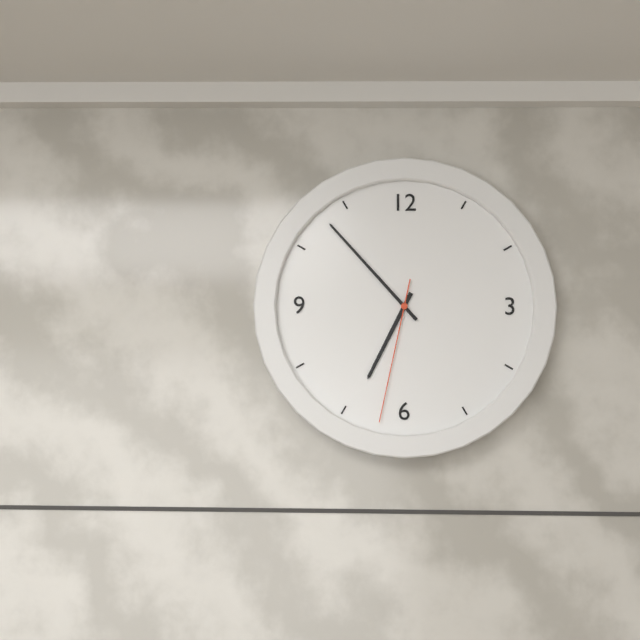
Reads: 6:53:32
